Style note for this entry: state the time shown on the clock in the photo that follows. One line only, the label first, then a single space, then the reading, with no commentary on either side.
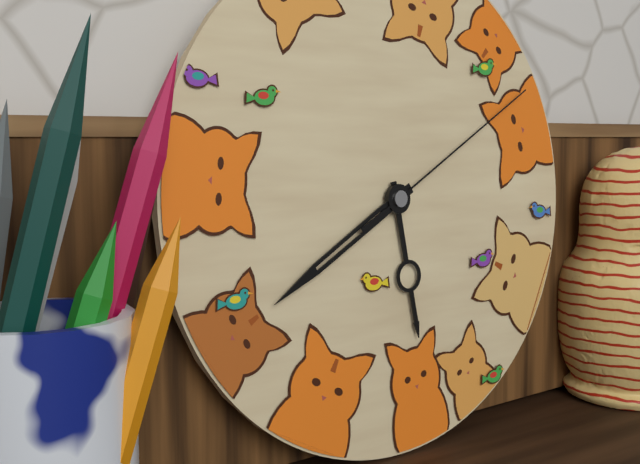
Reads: 5:40:10
